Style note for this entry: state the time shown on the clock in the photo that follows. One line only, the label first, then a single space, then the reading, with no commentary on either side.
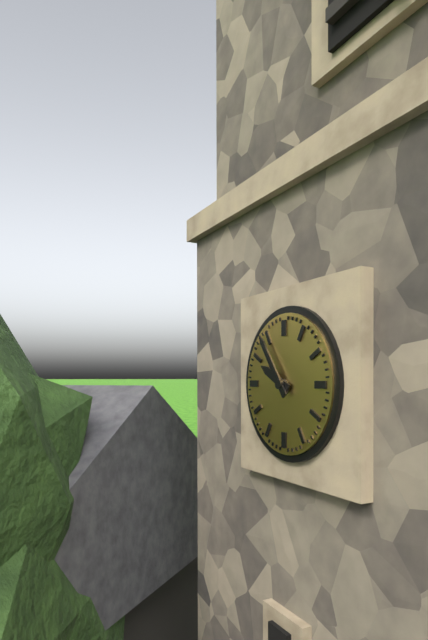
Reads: 9:54
